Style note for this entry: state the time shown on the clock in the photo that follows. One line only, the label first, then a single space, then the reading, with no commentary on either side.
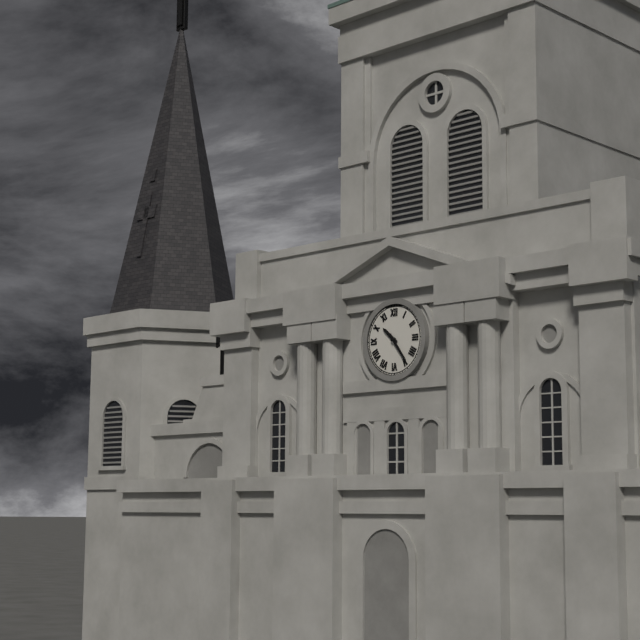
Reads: 10:24
